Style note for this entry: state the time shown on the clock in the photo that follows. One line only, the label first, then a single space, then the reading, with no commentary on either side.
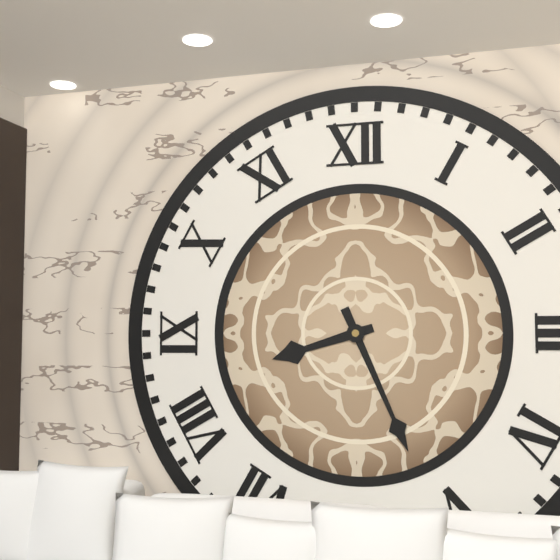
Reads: 8:26
